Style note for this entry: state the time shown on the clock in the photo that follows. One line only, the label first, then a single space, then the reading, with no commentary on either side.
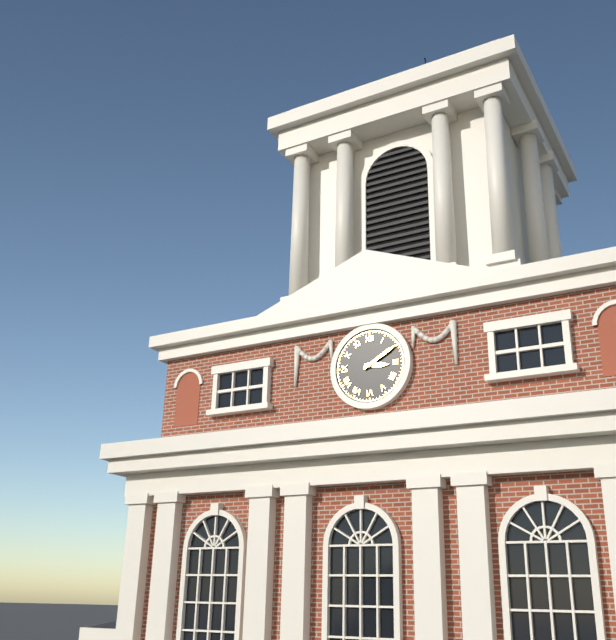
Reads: 3:10
